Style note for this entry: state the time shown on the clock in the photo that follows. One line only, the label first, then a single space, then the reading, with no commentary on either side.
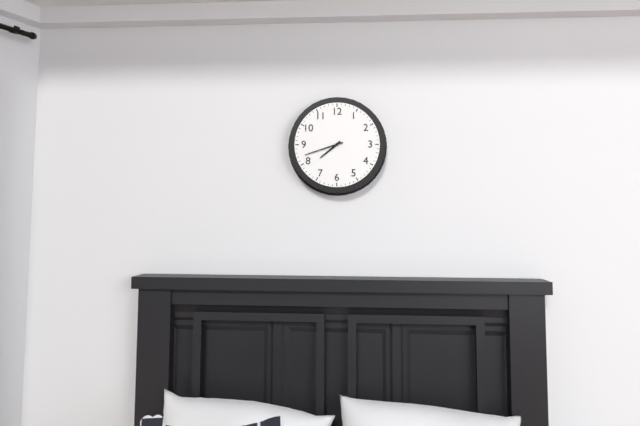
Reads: 7:42
